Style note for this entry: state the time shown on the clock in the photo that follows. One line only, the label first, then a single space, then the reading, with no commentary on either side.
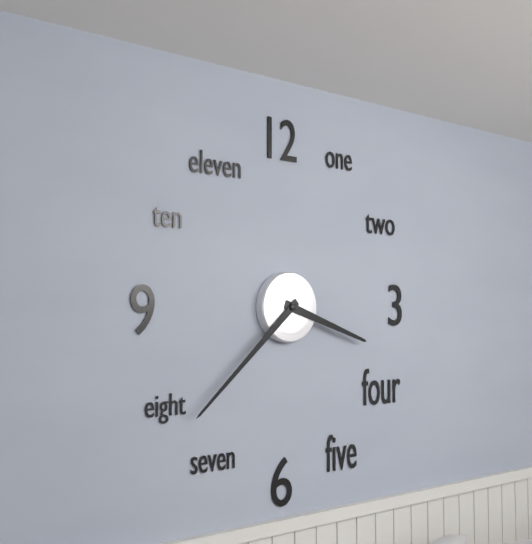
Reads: 3:38
